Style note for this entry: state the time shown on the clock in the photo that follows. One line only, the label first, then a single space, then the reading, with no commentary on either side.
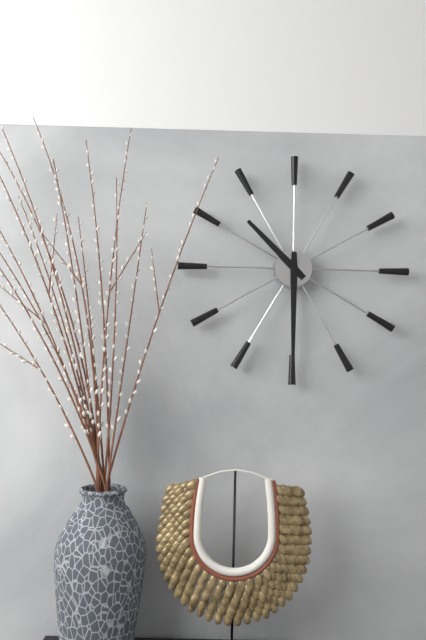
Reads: 10:30
